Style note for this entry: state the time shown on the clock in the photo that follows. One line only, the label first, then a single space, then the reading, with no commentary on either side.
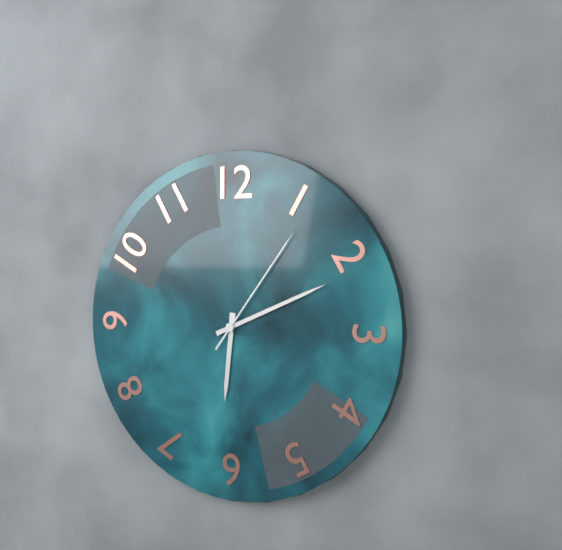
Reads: 6:11:06
